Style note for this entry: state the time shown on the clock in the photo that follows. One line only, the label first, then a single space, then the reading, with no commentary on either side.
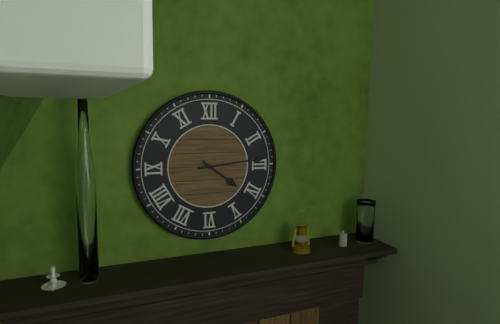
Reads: 4:14
